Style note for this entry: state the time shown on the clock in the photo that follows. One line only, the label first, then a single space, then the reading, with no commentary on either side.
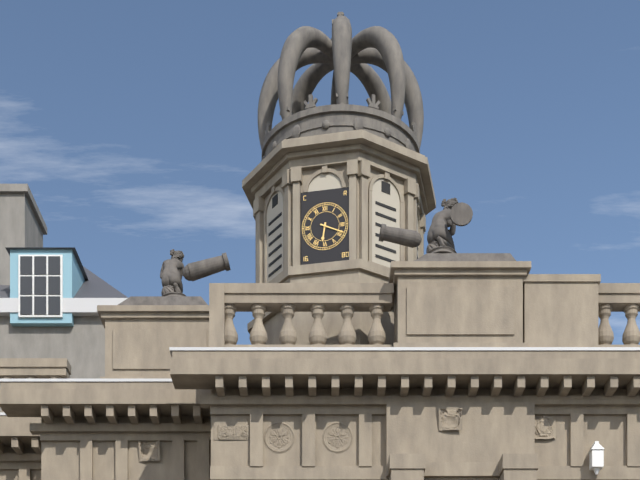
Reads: 6:19
